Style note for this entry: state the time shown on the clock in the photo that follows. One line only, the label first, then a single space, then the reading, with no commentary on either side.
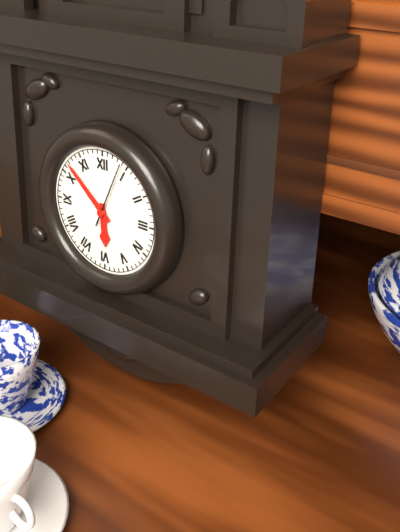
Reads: 5:52
